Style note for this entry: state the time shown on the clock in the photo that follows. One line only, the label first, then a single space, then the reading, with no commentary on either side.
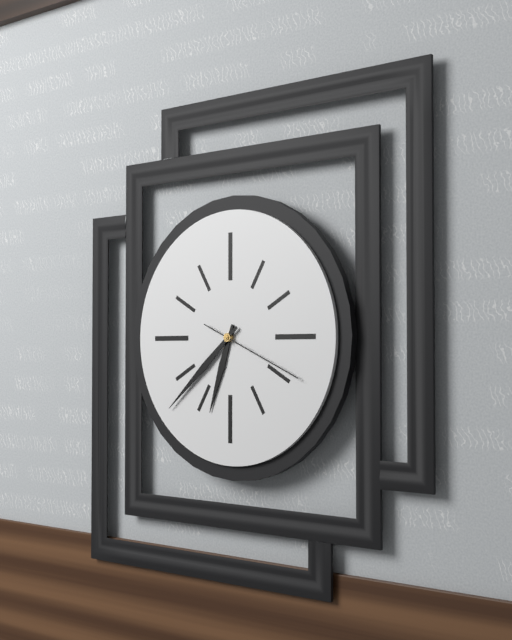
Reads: 6:38:19
